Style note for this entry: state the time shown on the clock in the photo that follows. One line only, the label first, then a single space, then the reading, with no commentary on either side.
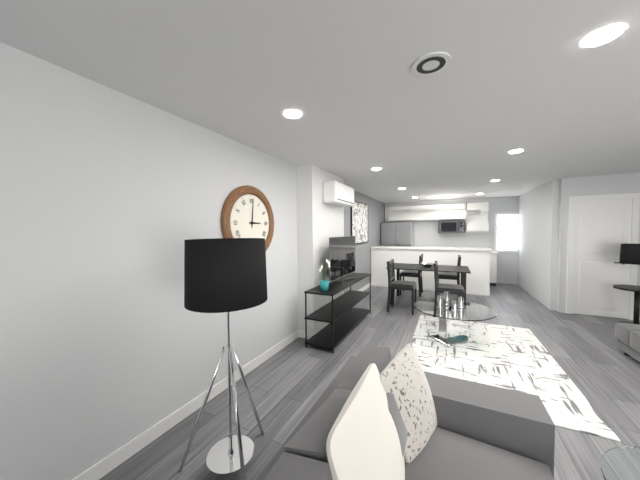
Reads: 3:01
